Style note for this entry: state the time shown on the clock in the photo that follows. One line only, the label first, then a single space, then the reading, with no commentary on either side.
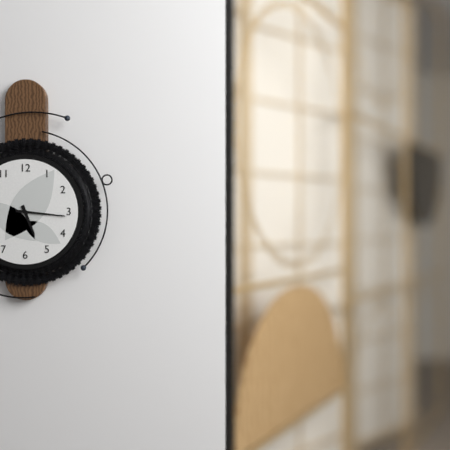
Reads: 5:16
